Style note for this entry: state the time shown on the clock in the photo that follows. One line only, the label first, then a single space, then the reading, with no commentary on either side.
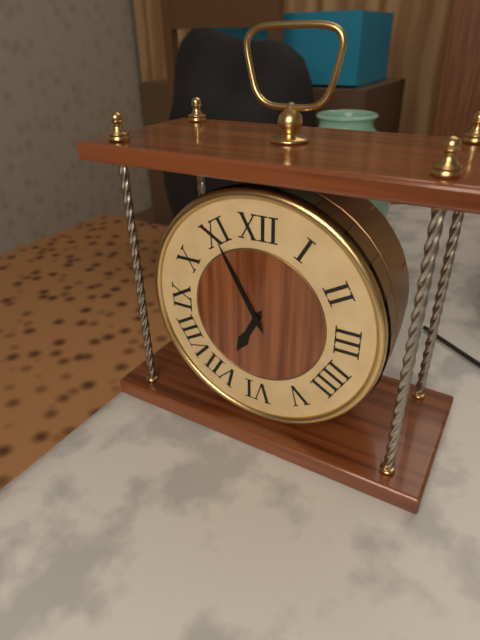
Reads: 6:55
